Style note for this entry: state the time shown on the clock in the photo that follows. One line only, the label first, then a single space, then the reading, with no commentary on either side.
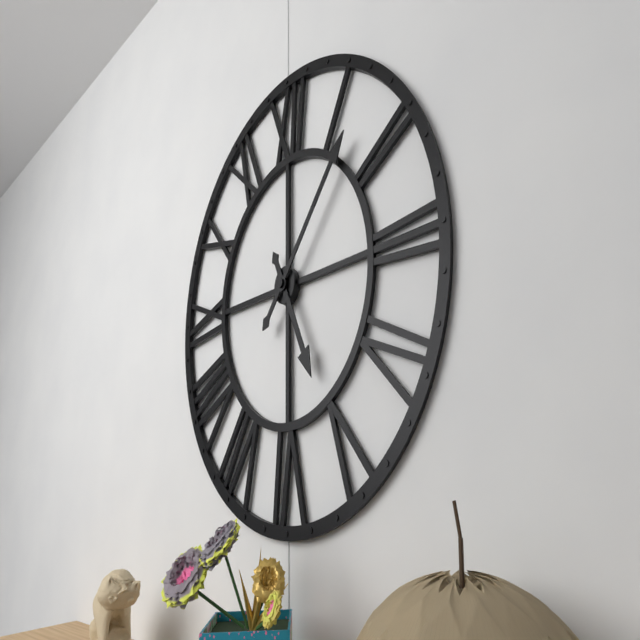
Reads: 5:07
